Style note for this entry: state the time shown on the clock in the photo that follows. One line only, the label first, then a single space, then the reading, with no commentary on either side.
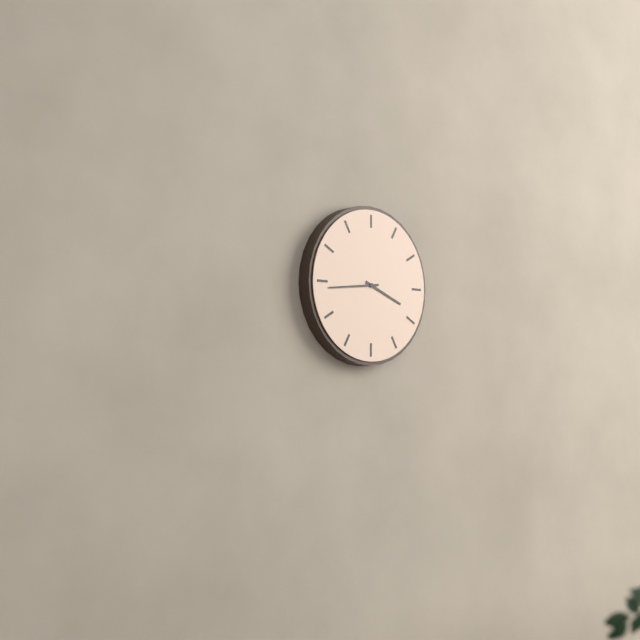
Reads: 3:44
